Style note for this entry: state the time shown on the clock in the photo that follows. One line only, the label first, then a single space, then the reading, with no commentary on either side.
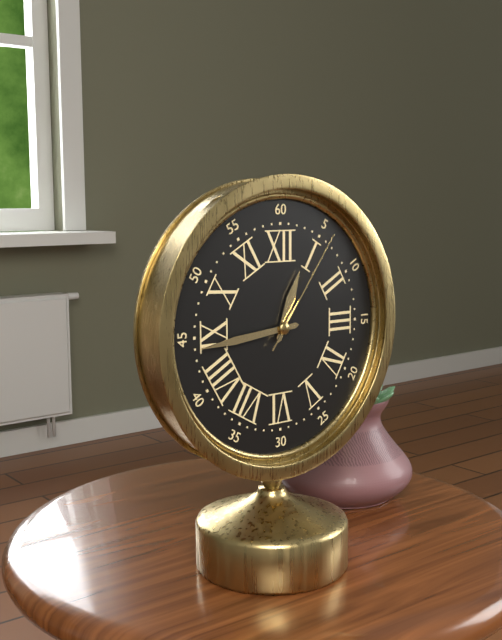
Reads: 12:44:06
